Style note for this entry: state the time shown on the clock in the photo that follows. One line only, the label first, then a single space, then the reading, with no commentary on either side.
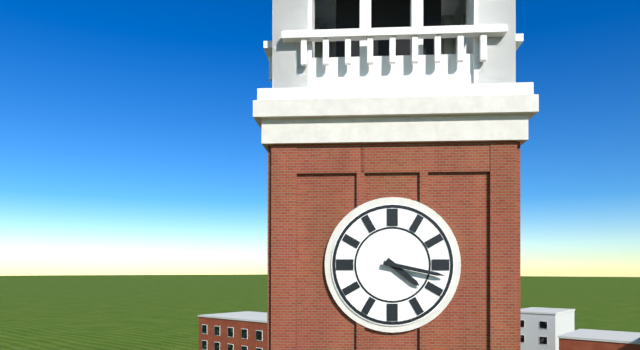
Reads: 4:17
